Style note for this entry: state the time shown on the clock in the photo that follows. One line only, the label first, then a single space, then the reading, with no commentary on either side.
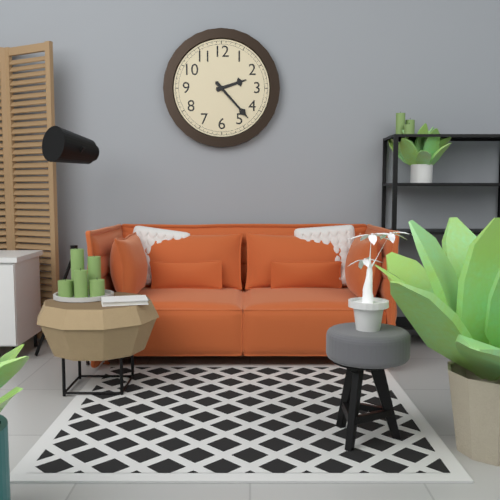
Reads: 2:23
